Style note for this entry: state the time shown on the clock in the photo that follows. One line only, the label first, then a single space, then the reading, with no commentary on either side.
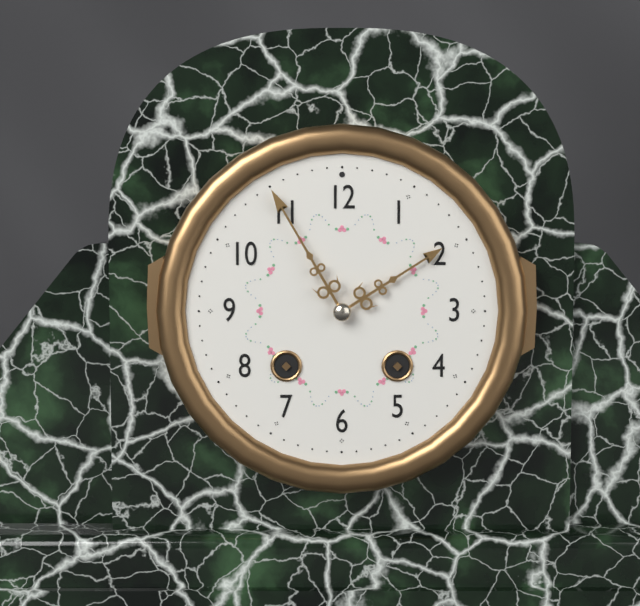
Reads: 1:55
